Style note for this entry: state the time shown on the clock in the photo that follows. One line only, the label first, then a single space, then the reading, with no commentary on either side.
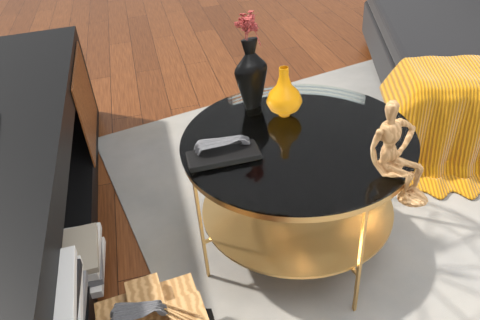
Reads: 9:22
